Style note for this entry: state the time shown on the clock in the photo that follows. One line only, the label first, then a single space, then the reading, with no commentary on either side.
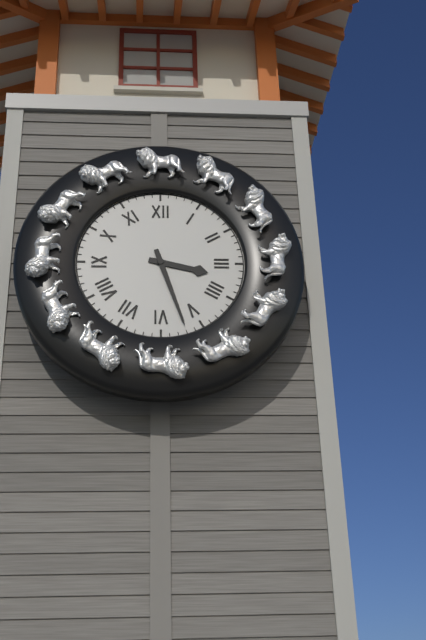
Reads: 3:27
